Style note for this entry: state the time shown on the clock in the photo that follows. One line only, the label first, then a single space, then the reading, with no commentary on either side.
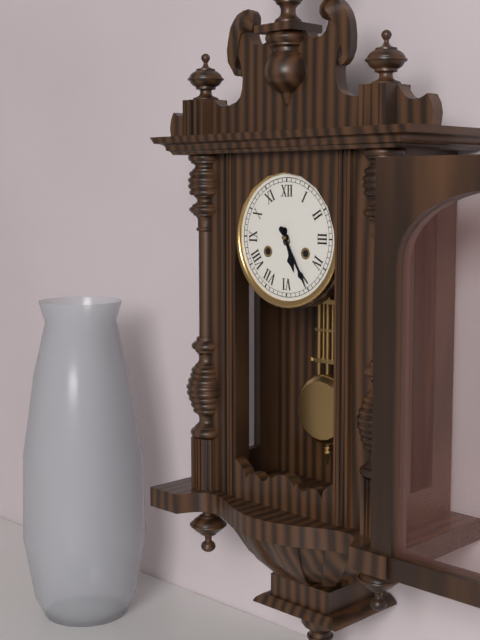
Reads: 5:25
